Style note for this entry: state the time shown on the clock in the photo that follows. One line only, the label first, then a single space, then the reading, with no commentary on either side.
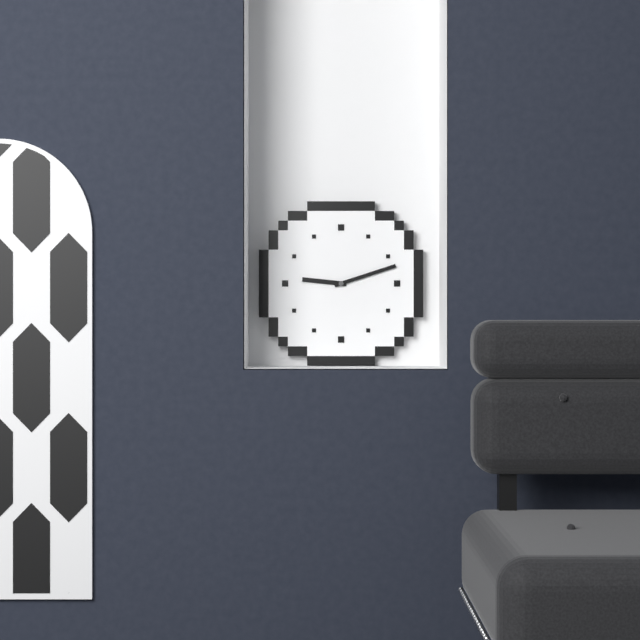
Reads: 9:12
